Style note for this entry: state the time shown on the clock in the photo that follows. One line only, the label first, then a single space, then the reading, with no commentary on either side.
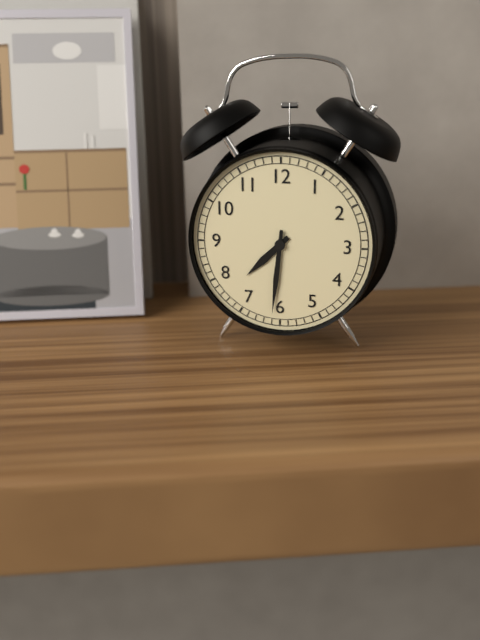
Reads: 7:31
